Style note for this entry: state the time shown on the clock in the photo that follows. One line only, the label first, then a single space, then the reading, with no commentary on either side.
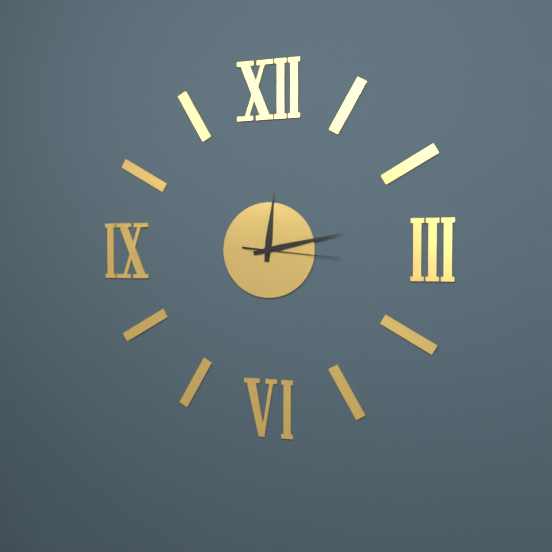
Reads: 12:13:16
